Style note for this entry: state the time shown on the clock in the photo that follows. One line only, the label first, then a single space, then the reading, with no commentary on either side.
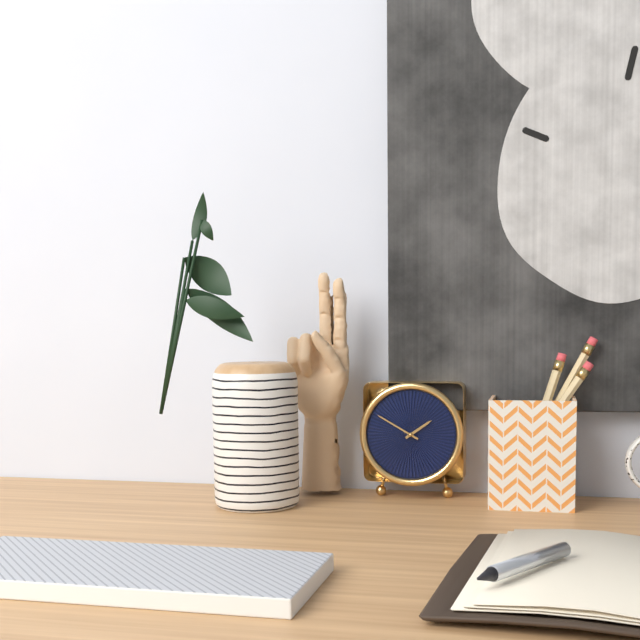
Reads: 1:50
